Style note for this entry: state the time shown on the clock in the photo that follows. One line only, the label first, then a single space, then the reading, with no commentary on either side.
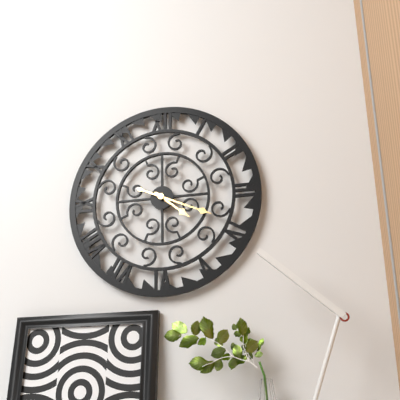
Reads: 4:19
